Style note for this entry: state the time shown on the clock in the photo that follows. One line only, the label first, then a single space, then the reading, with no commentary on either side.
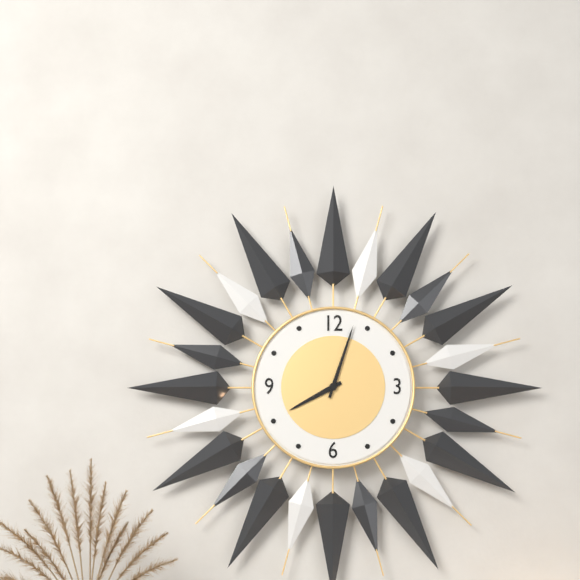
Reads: 8:03
